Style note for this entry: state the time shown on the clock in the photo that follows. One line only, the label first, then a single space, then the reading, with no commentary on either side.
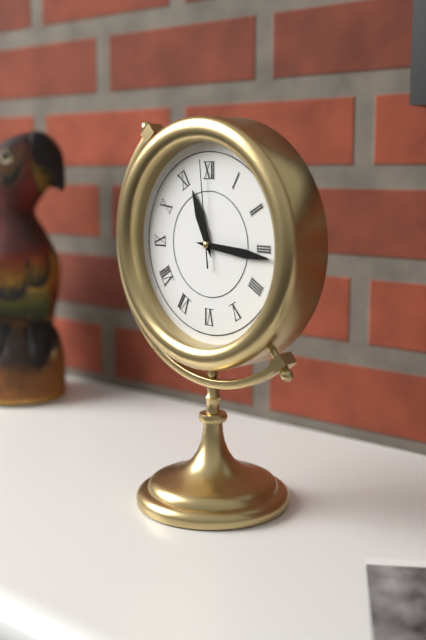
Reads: 11:16:59
